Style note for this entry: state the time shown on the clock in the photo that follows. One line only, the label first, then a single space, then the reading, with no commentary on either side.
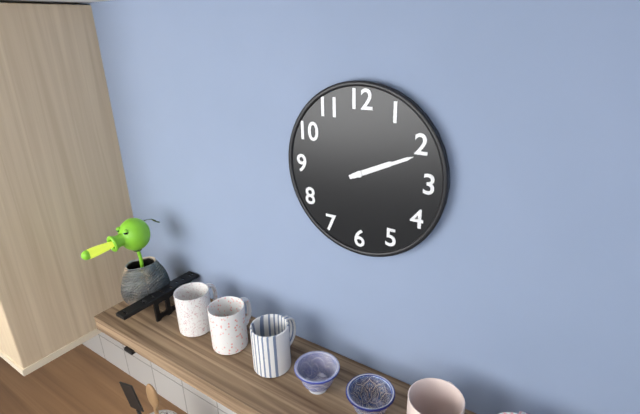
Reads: 2:11
